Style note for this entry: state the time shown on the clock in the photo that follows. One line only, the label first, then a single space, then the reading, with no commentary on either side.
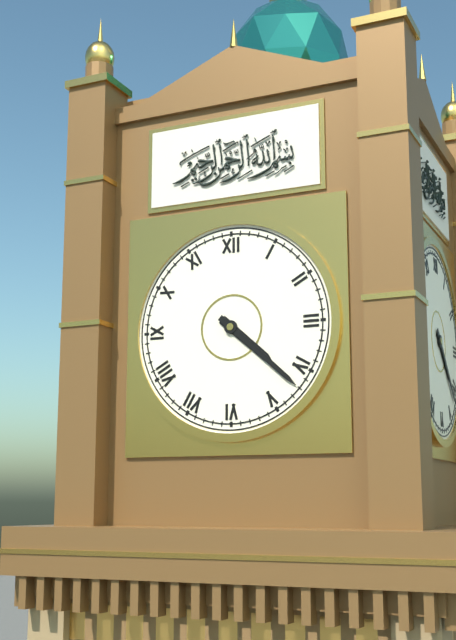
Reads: 4:22
